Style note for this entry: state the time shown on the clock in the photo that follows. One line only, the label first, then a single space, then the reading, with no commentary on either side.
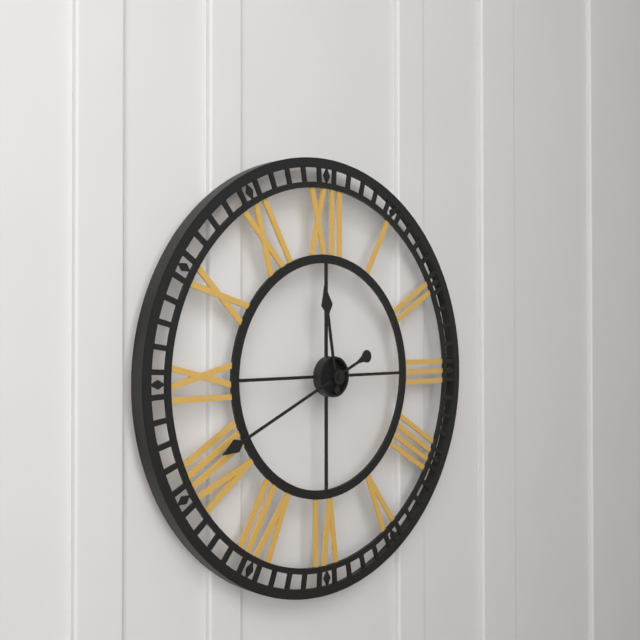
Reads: 11:41
